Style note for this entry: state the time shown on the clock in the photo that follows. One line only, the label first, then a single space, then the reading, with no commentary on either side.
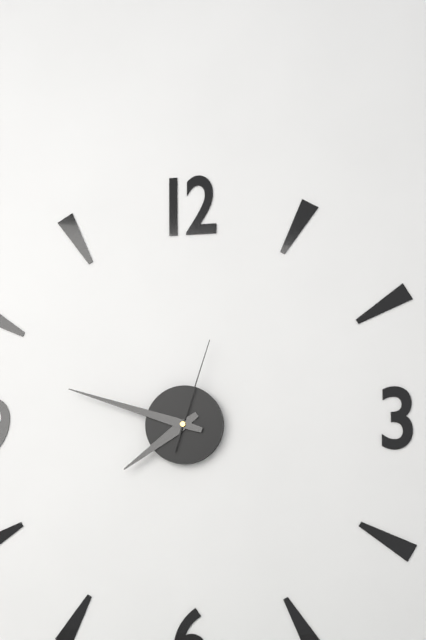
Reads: 7:48:03
